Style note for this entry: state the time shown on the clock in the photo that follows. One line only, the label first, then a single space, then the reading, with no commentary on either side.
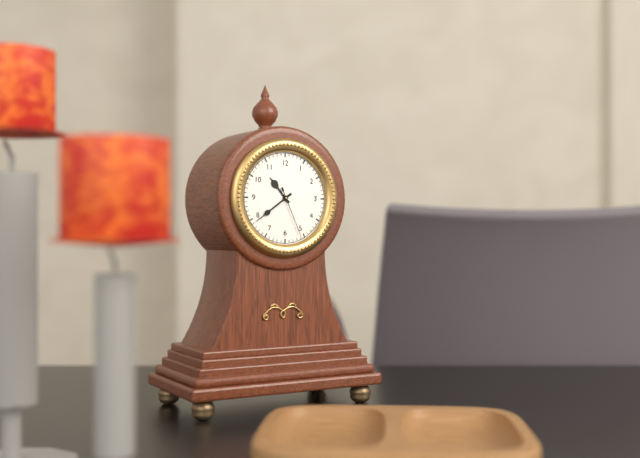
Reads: 10:39:26
